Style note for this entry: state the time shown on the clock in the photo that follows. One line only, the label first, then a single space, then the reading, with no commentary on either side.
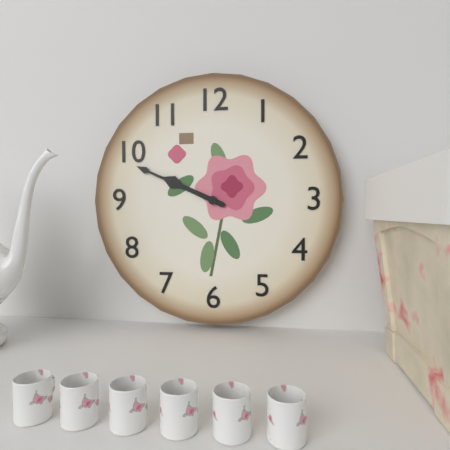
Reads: 9:49
